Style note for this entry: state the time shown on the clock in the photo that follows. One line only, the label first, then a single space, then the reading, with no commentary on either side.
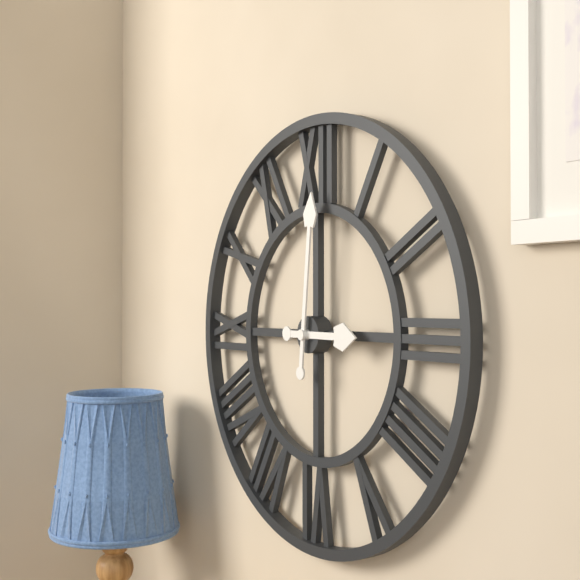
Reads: 3:01
